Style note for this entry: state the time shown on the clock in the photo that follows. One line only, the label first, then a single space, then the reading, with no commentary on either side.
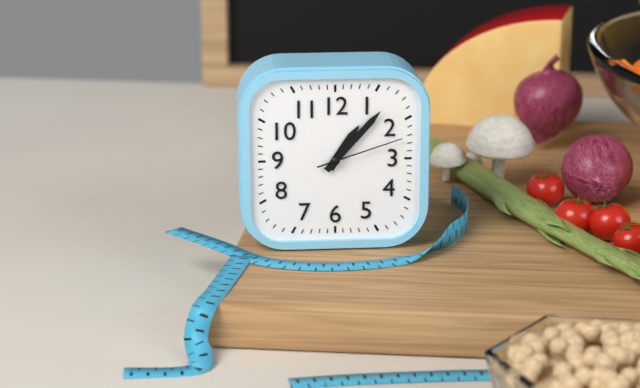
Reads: 1:07:12
